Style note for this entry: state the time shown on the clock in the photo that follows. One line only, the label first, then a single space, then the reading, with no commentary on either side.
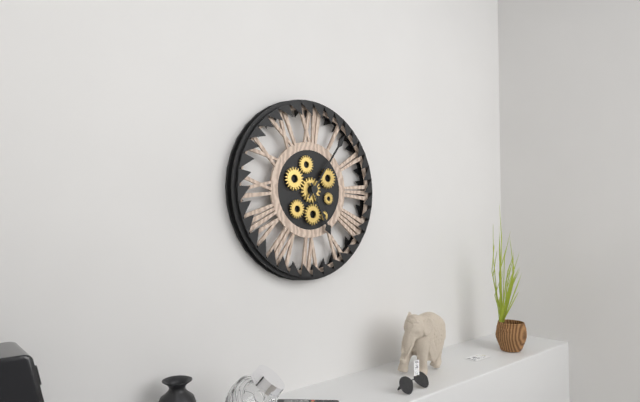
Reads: 5:06
